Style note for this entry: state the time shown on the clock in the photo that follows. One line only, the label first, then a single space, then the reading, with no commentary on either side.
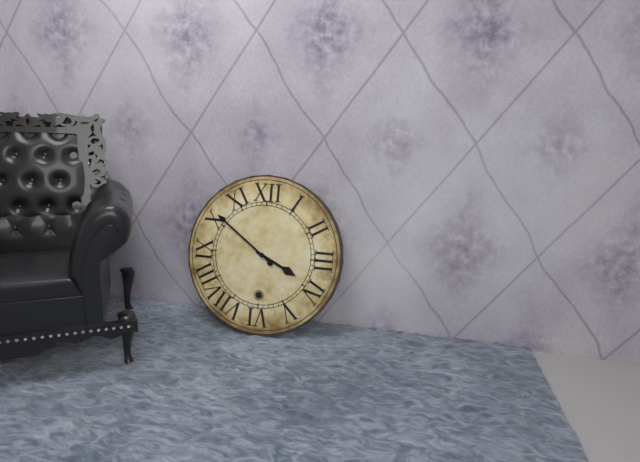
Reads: 3:51
